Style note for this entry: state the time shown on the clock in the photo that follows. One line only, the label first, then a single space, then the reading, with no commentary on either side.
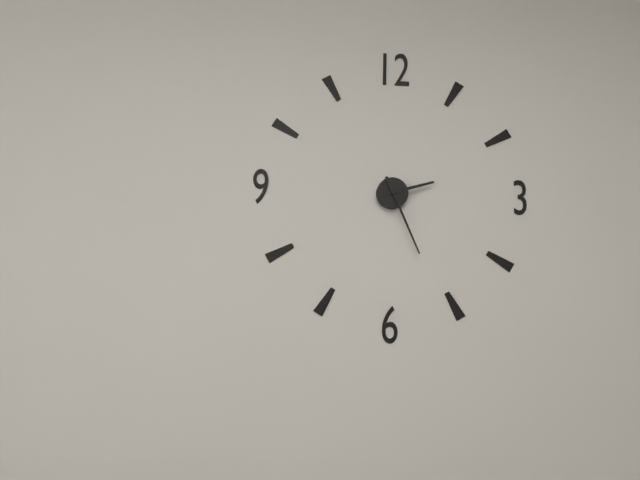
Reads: 2:26
